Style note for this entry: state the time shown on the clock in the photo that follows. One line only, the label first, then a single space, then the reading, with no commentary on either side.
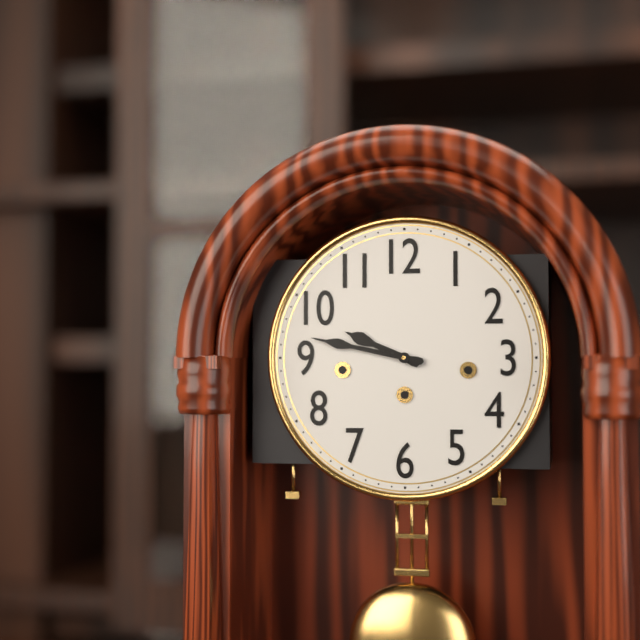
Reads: 9:47
